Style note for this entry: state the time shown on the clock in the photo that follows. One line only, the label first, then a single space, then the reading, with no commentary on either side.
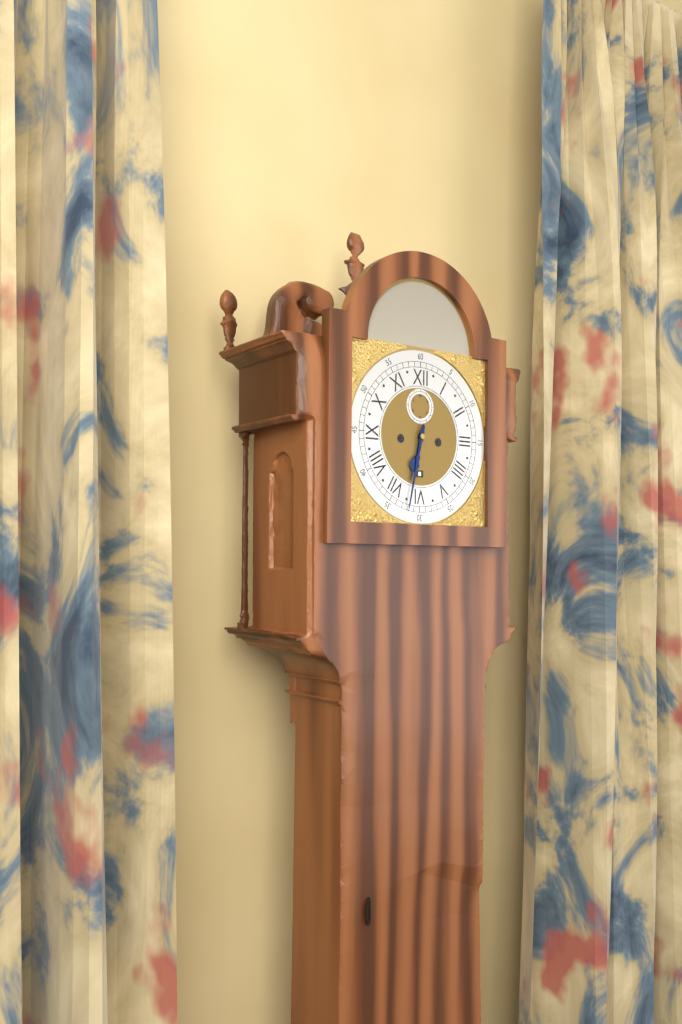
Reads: 6:32
